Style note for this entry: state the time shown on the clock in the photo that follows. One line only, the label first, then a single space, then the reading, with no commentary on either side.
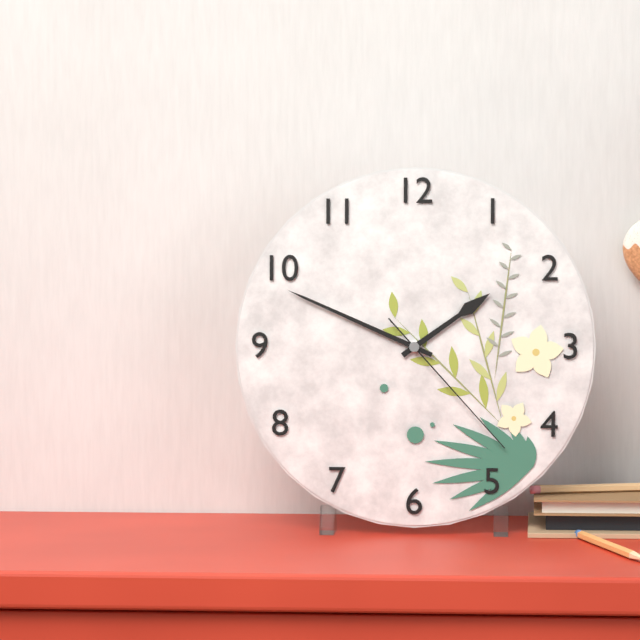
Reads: 1:49:23
